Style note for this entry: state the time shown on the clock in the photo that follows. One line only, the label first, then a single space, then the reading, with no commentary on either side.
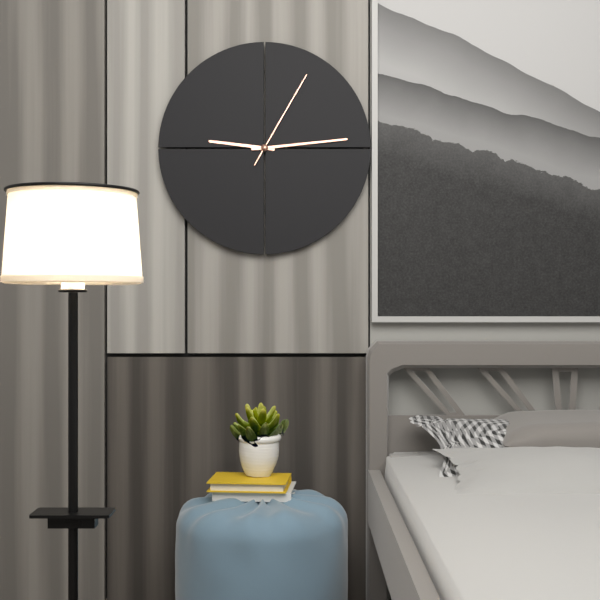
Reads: 9:14:05
